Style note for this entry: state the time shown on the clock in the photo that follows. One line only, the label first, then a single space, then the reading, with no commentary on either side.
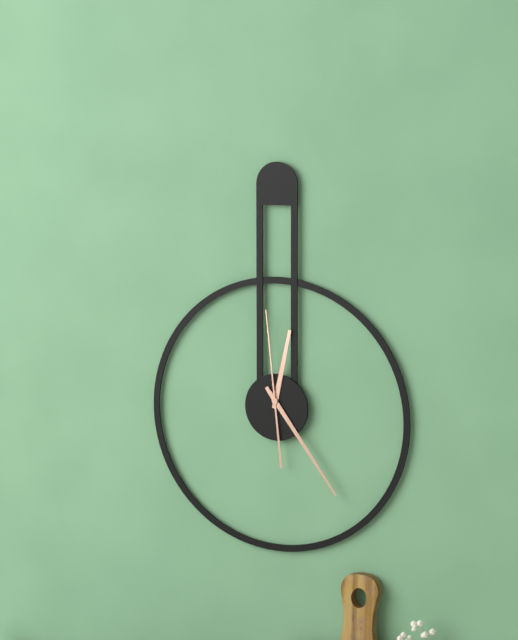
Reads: 12:24:59
